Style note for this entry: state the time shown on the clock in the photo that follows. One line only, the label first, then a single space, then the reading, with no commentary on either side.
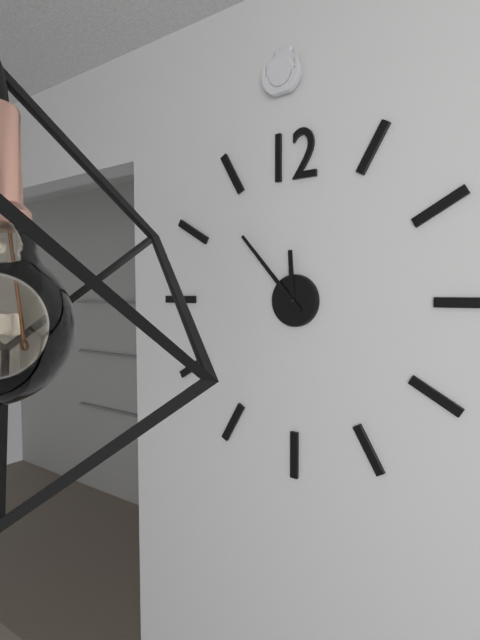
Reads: 11:53
